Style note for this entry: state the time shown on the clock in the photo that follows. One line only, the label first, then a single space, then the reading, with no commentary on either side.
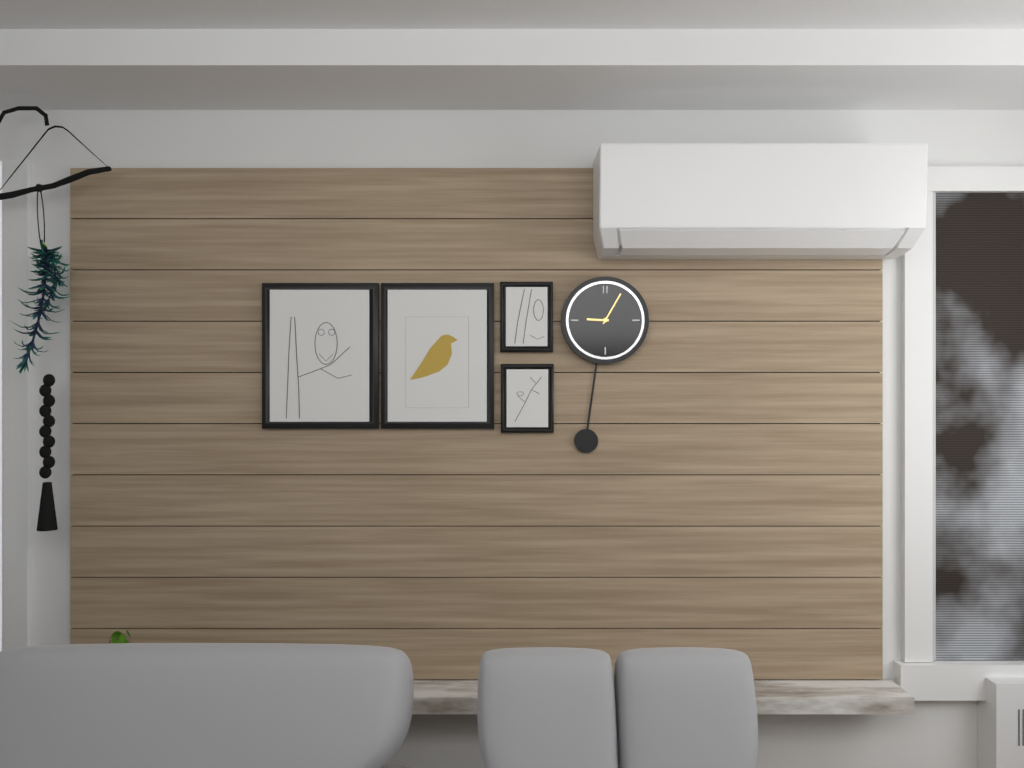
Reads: 9:05
